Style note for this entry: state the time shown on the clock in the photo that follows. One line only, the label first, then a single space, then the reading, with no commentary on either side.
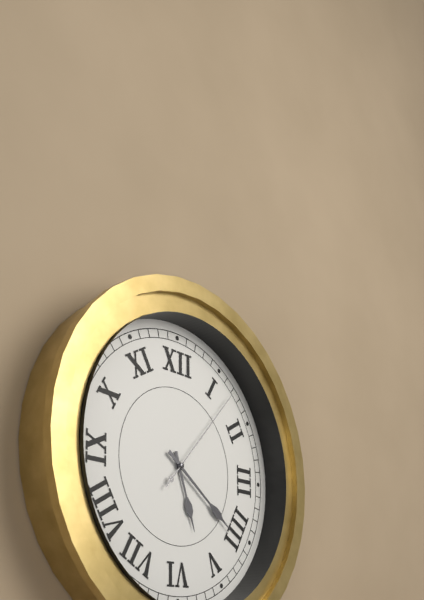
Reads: 5:21:07
